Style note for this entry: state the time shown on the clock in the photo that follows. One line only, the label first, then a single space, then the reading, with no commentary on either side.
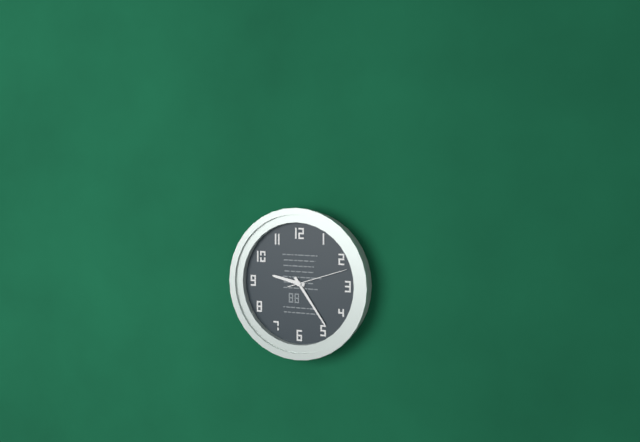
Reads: 9:24:12
